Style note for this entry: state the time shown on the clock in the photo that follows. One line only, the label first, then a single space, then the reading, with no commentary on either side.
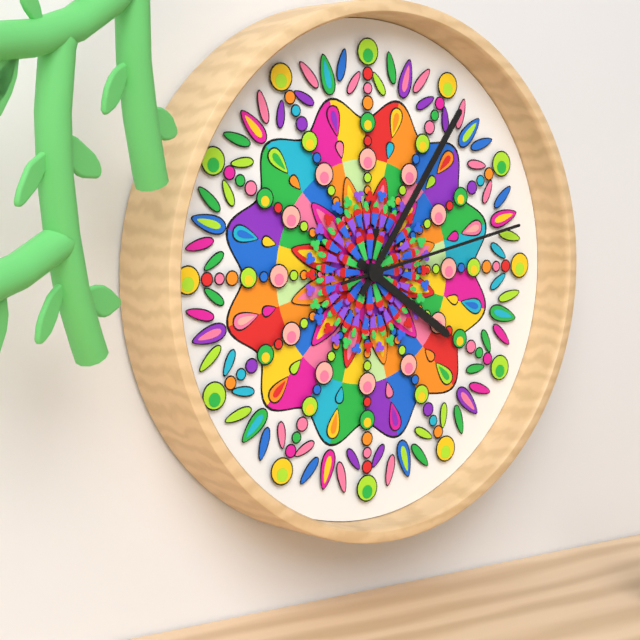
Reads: 4:06:13
